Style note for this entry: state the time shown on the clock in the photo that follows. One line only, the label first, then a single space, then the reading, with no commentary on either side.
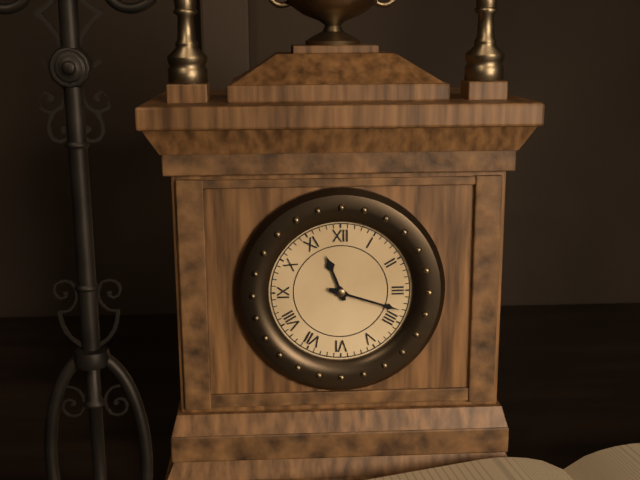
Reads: 11:18
